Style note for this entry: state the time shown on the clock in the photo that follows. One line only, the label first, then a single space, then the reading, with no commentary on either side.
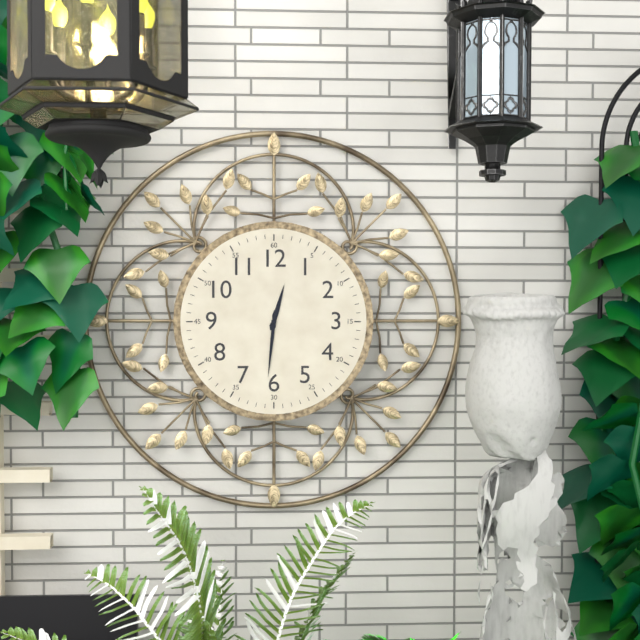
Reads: 12:31
